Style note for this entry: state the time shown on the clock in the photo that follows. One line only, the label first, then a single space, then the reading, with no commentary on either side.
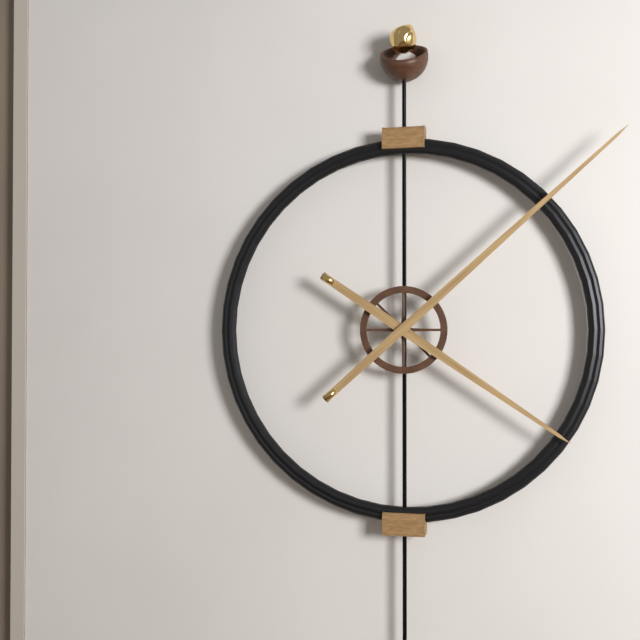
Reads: 4:08
